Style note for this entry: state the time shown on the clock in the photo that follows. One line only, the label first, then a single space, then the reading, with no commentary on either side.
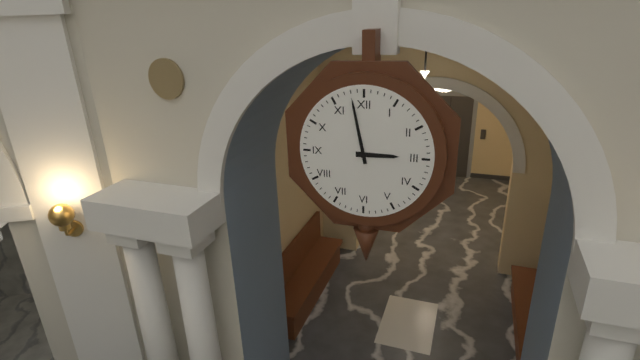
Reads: 2:58
